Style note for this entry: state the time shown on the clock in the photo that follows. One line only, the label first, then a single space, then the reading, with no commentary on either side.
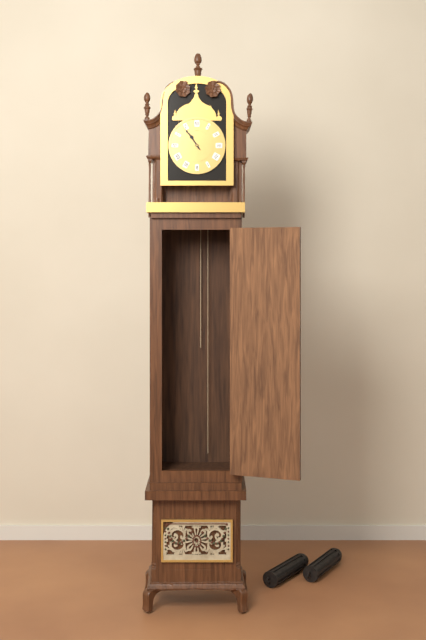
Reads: 10:54
